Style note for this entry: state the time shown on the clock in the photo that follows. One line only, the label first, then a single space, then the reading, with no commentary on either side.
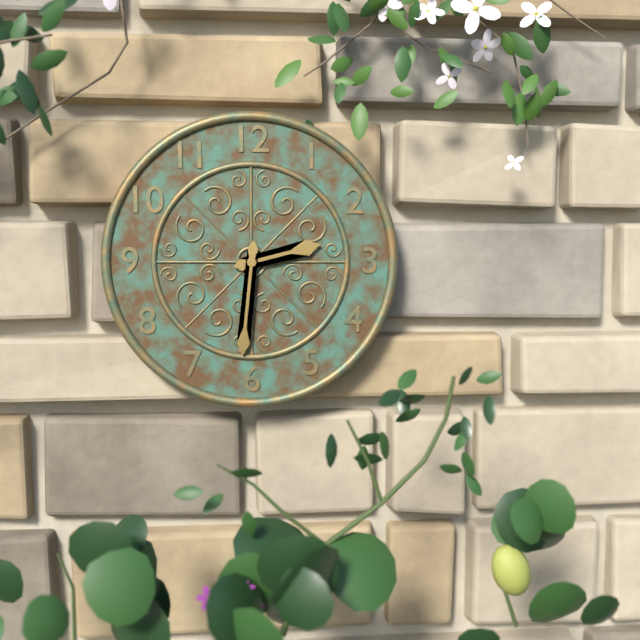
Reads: 2:31
